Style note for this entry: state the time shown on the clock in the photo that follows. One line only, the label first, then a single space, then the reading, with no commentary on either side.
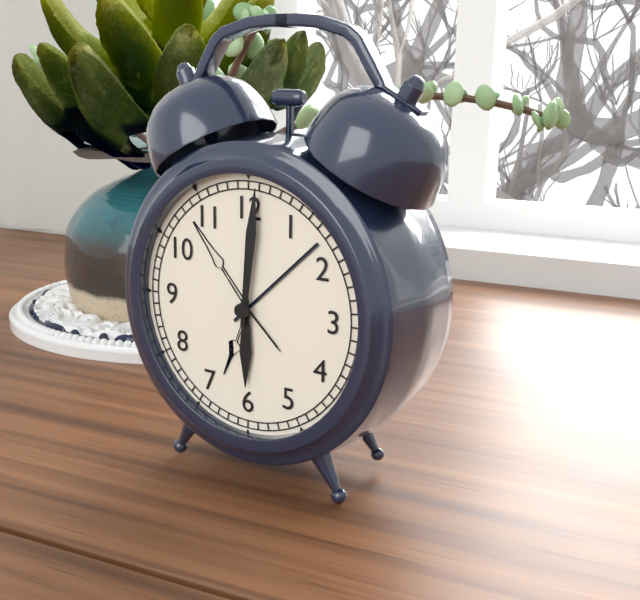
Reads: 6:01
